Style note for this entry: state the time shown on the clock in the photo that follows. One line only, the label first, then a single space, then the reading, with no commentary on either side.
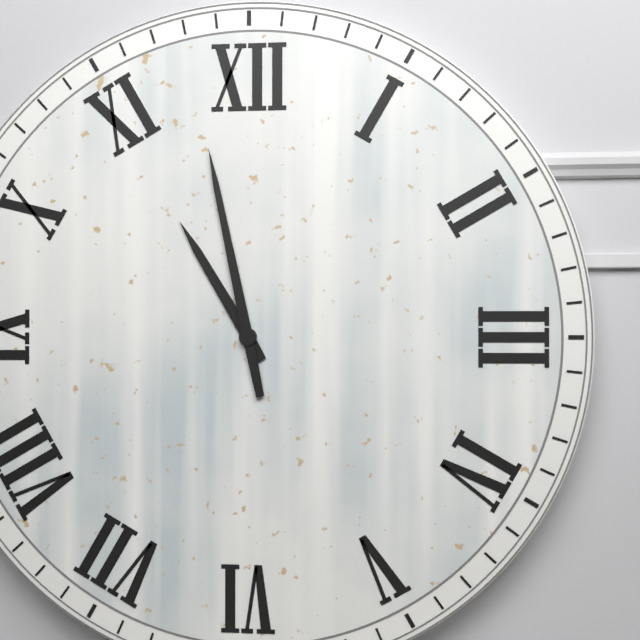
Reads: 10:58
